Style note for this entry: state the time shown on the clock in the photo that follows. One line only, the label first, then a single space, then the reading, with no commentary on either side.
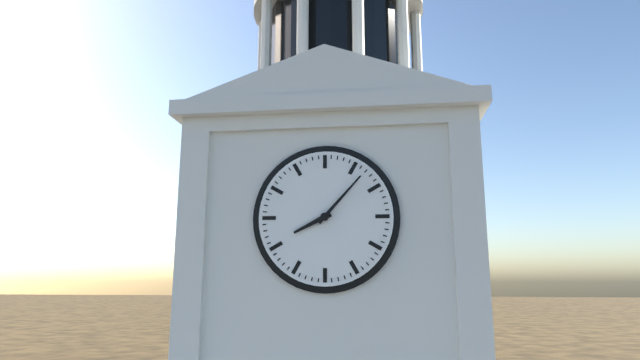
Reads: 8:07
